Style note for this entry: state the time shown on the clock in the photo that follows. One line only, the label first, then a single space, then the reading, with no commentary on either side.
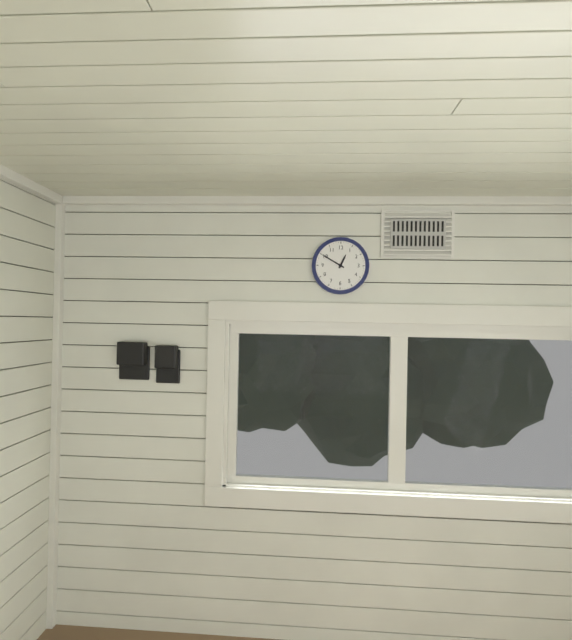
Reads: 12:50
